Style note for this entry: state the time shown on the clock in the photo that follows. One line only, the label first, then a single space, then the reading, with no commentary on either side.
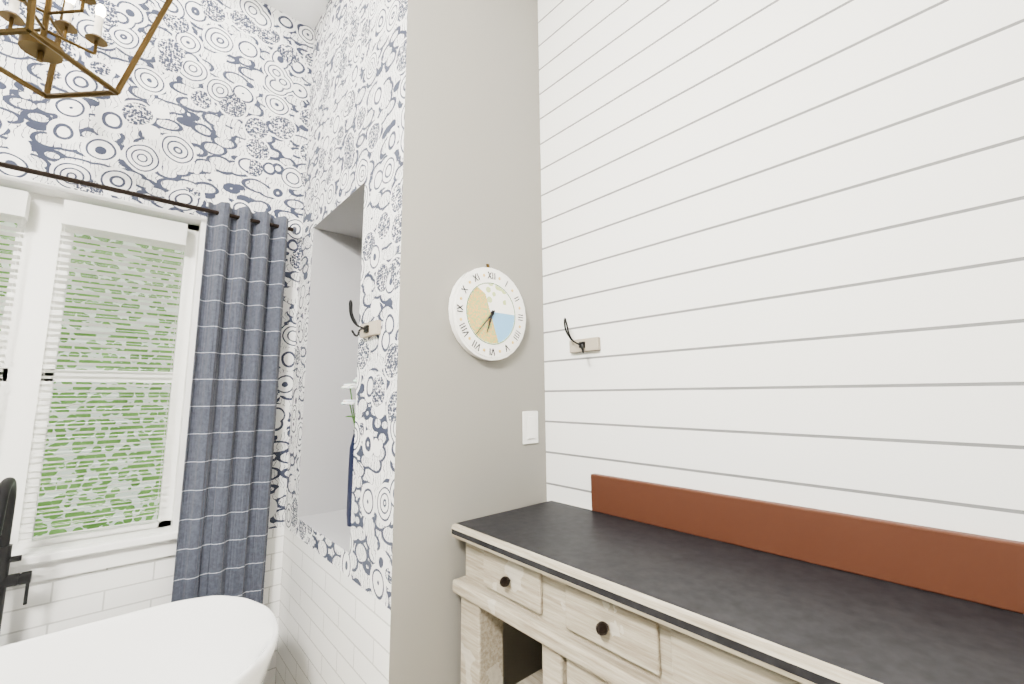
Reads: 6:37
